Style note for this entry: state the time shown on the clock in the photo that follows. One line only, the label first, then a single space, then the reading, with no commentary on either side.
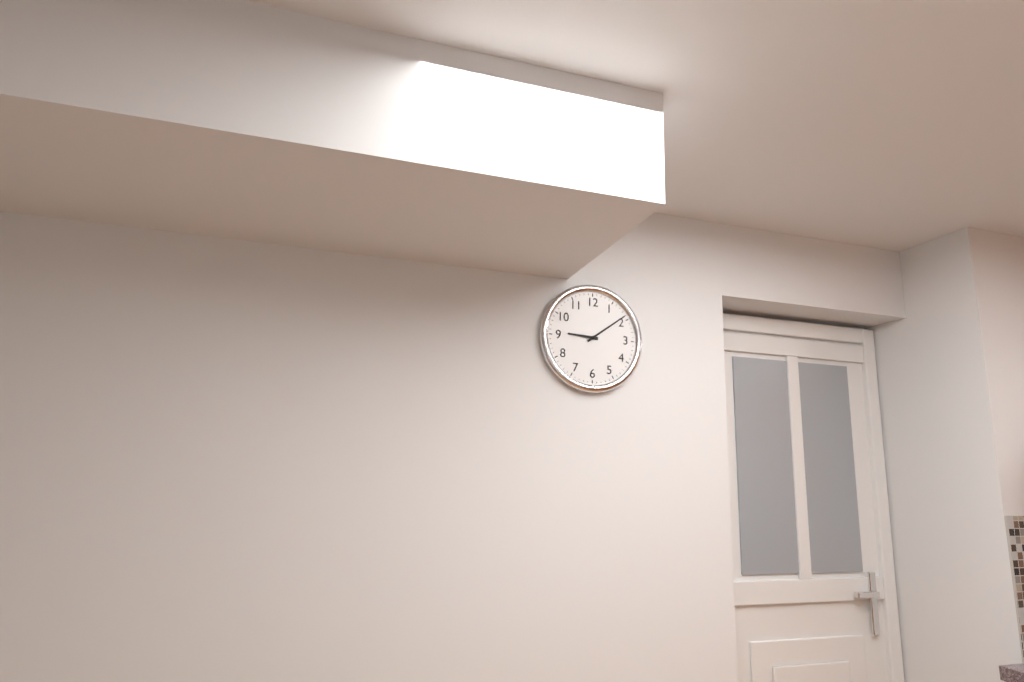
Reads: 9:09
